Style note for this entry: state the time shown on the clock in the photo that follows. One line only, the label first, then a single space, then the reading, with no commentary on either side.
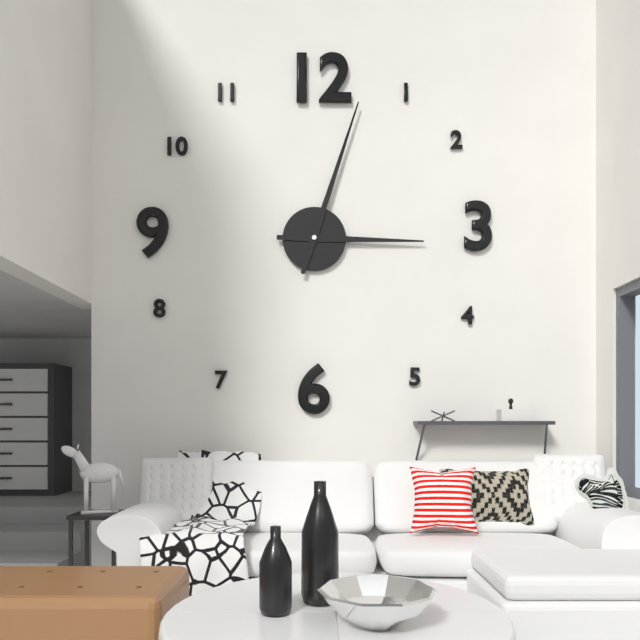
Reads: 3:03
